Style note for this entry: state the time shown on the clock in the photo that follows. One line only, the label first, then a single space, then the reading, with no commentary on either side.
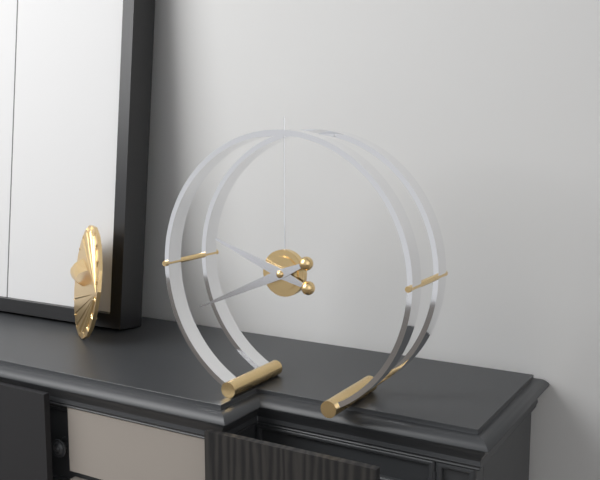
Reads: 9:41
